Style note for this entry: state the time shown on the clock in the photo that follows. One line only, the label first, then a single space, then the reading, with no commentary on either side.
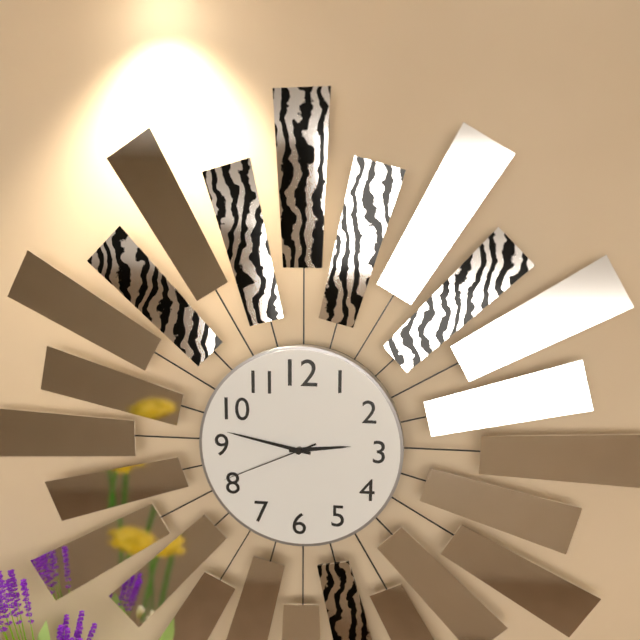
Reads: 2:47:41
